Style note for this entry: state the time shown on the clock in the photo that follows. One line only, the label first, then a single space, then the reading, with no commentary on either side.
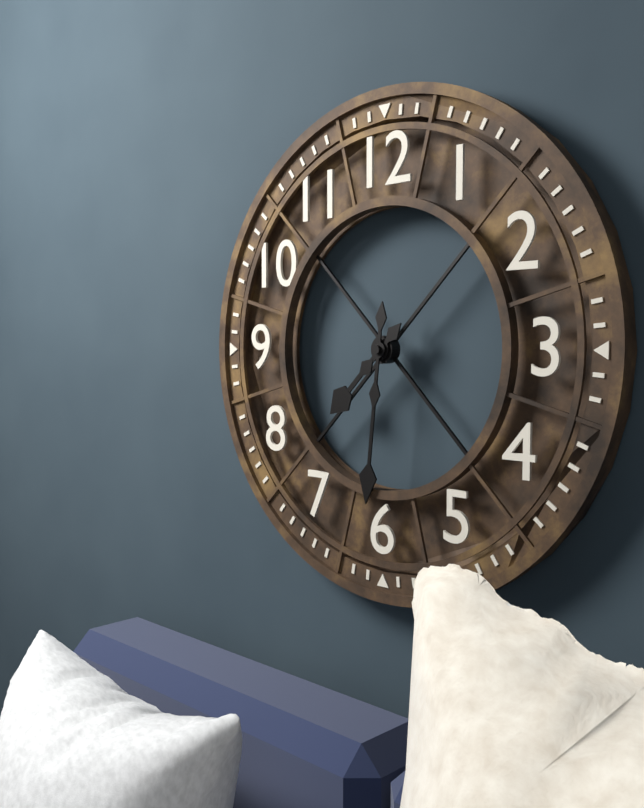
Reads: 7:31
